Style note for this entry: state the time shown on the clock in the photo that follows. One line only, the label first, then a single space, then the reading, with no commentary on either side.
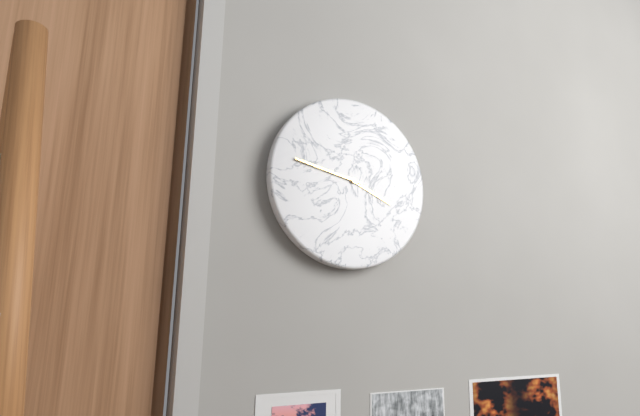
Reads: 3:47
